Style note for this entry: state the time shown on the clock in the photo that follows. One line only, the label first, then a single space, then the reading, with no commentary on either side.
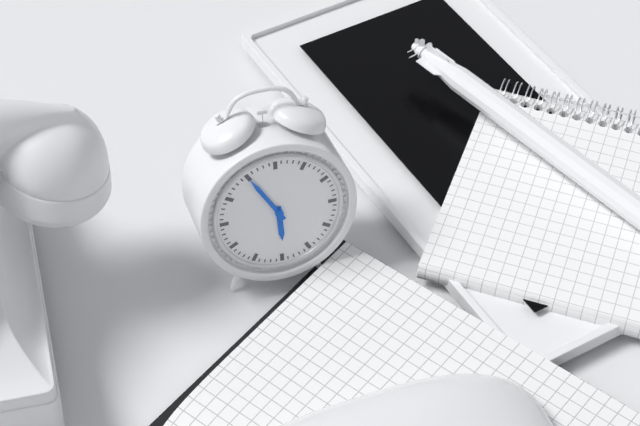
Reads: 5:55
